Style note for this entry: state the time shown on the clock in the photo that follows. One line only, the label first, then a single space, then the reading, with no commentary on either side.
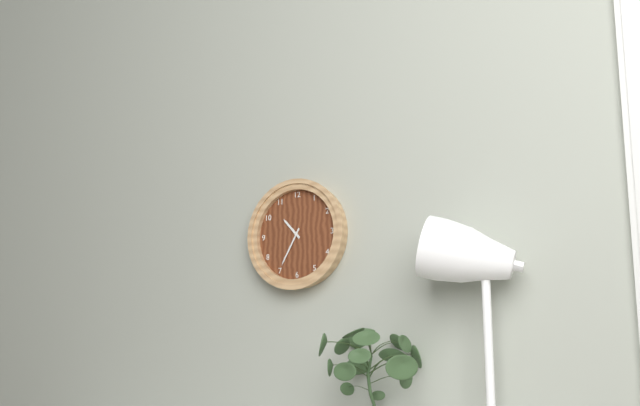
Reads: 10:35
